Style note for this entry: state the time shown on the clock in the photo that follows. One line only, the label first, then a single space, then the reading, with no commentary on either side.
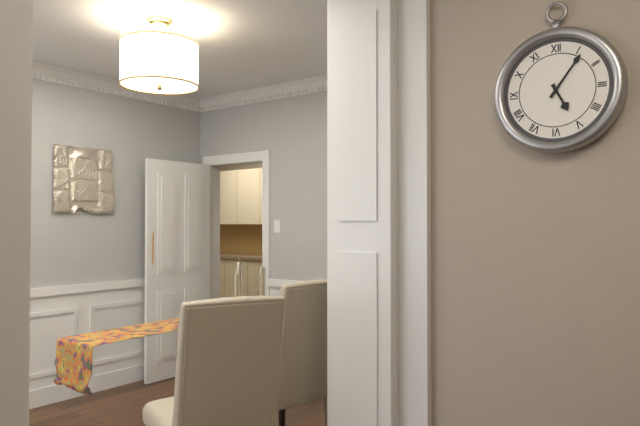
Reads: 5:06
